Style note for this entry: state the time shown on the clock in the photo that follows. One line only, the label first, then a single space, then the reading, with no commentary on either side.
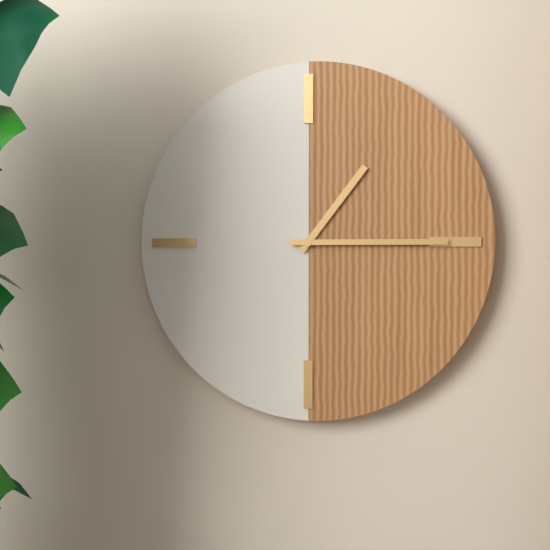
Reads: 1:15
